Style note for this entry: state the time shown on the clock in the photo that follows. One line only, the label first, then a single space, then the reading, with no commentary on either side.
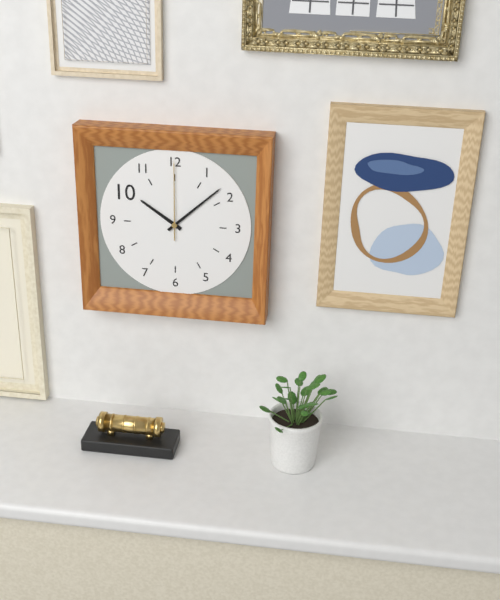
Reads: 10:08:00
